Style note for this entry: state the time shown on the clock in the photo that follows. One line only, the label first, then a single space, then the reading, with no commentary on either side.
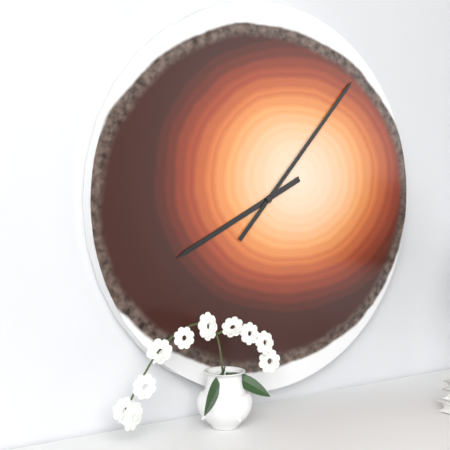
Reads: 8:07
